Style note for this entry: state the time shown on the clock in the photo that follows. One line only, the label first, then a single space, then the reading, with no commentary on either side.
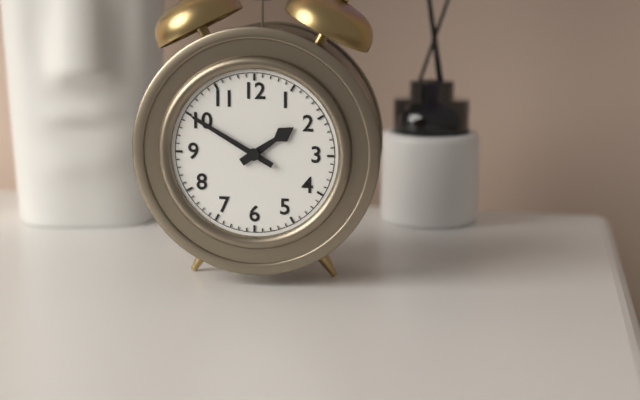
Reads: 1:50
